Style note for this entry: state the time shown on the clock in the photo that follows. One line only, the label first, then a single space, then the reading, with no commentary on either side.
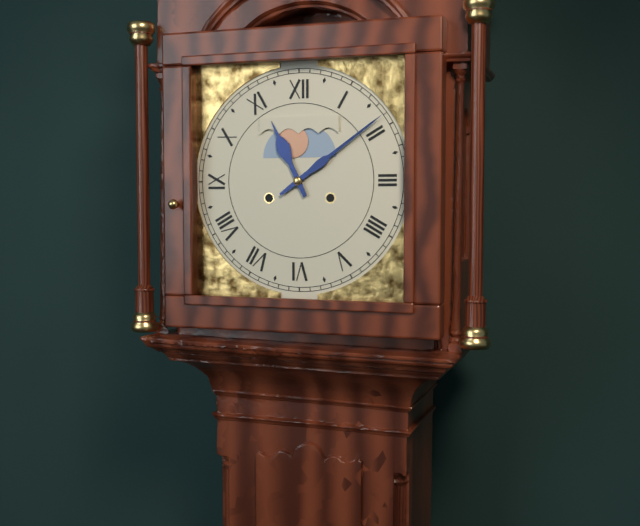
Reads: 11:09
